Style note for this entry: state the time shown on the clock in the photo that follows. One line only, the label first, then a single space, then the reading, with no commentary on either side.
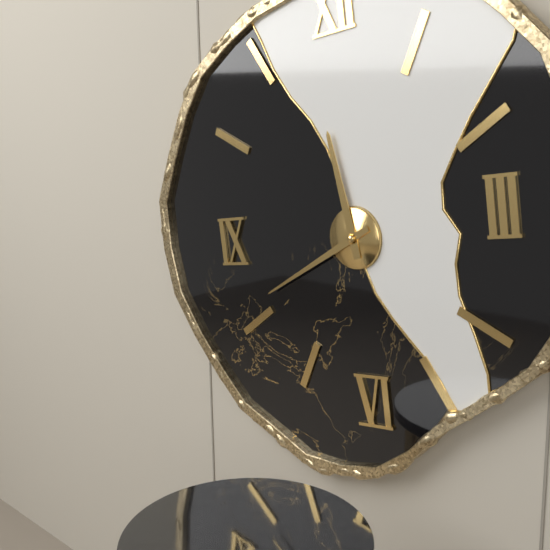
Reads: 11:41
